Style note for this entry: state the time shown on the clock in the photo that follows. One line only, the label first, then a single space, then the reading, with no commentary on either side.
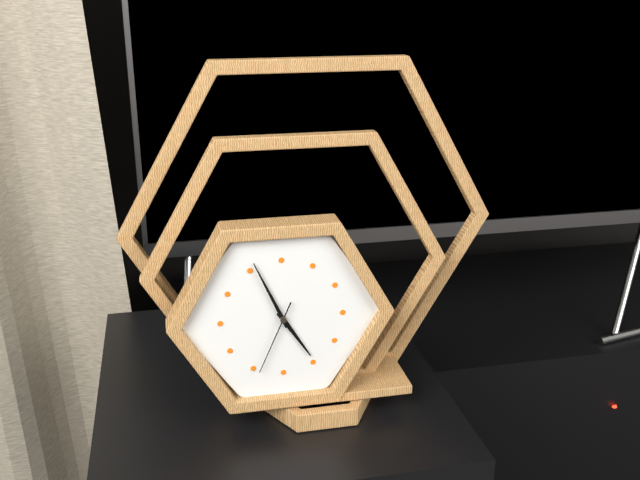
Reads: 4:56:34
